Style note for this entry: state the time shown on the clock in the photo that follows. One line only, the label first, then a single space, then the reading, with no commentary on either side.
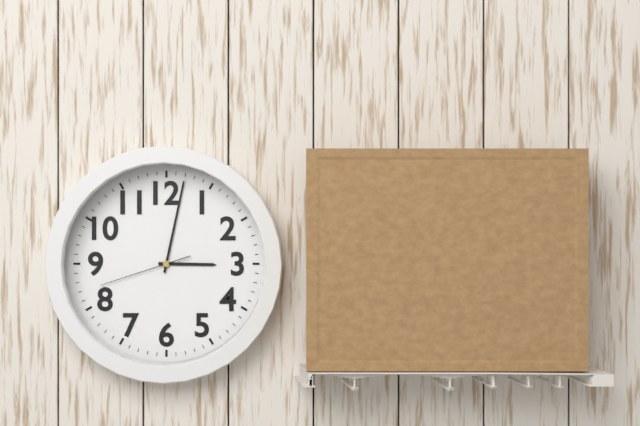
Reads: 3:02:42
